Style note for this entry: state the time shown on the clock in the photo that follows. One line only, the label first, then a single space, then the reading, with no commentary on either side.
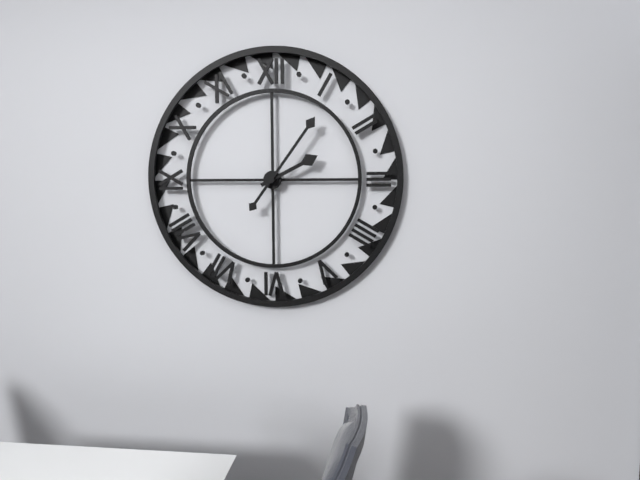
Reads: 2:06
